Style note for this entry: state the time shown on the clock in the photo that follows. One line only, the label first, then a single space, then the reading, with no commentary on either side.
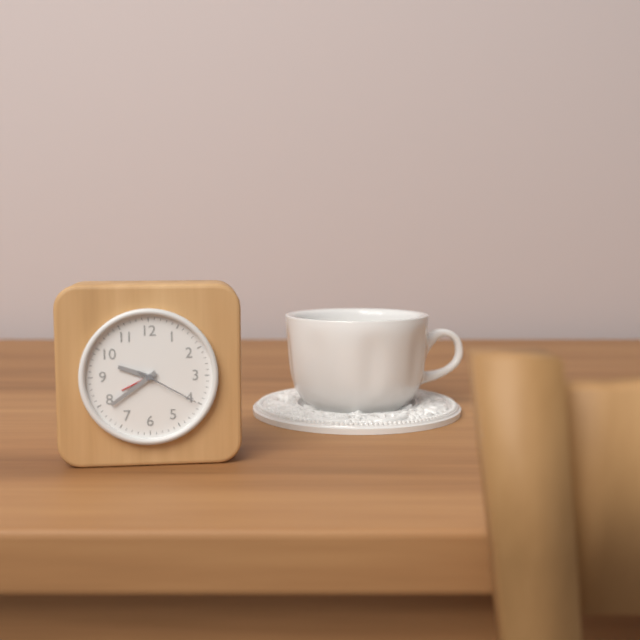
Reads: 9:39:20
